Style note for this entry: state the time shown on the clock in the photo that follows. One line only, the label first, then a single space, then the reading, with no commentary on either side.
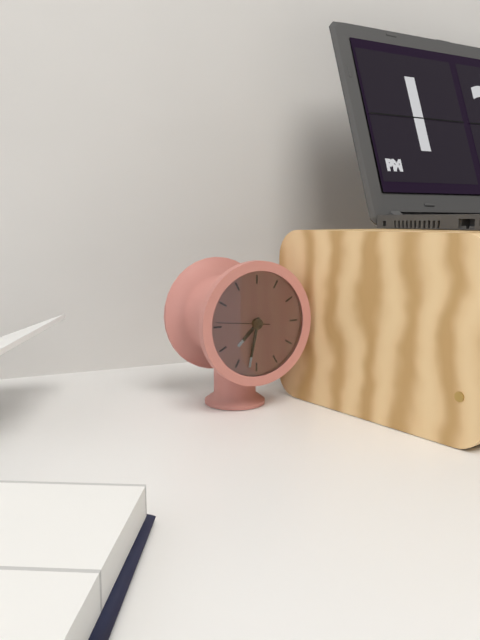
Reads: 7:32:46
